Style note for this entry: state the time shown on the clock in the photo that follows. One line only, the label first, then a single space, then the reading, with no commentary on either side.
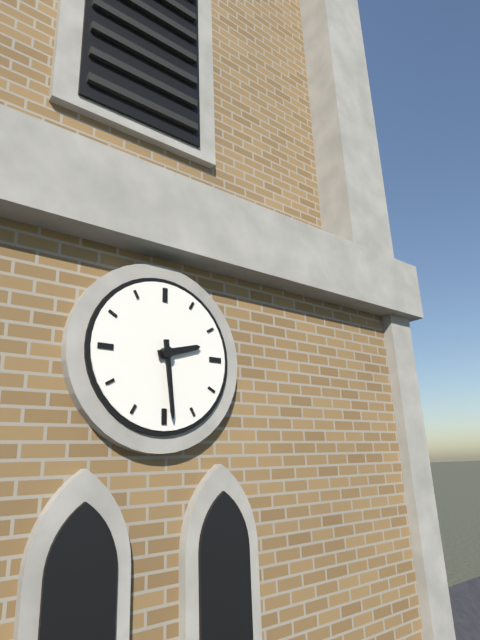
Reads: 2:29
